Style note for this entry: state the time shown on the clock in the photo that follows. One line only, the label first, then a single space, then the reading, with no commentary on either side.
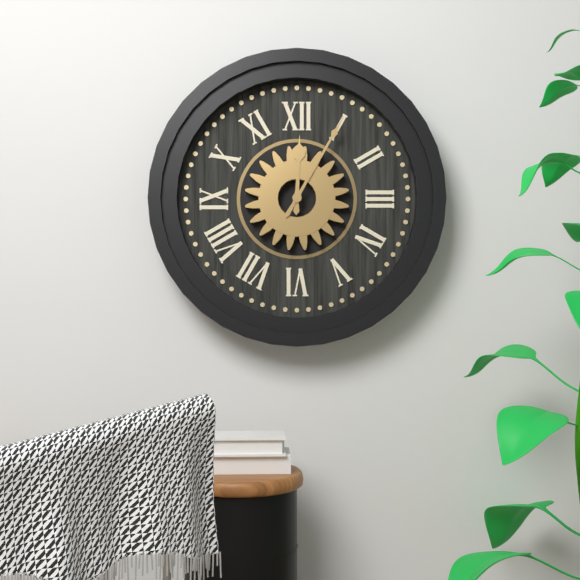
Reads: 12:05
